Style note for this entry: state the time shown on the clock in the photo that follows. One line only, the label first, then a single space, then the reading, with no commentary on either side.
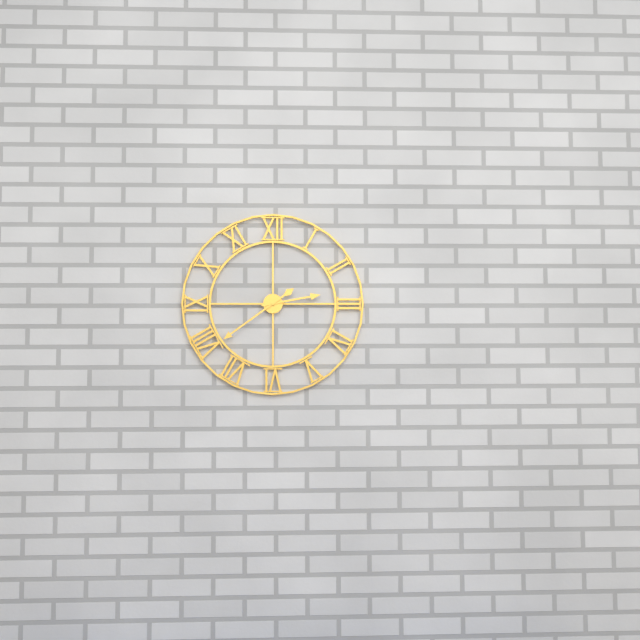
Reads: 2:39
